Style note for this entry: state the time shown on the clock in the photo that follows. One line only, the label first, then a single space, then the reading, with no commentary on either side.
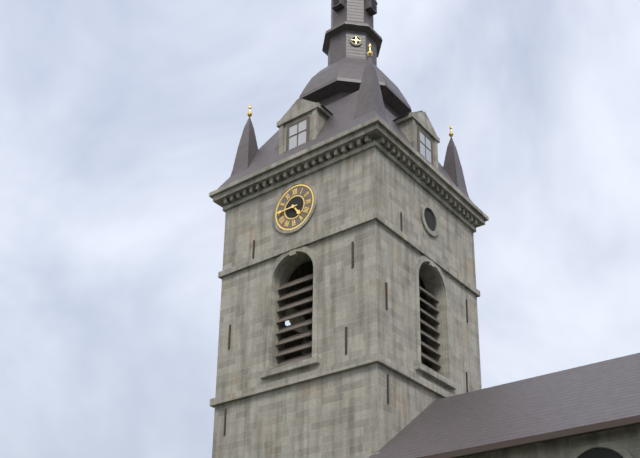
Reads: 4:45
